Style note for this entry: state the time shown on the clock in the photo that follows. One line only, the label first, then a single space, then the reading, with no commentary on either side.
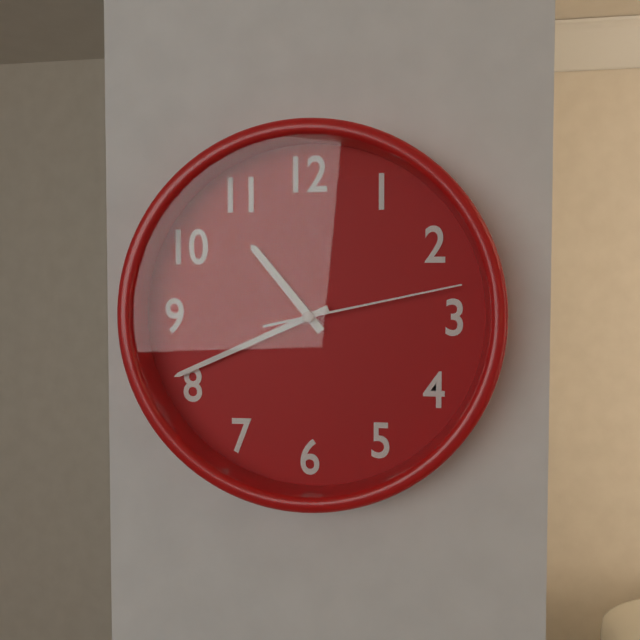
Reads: 10:41:13
